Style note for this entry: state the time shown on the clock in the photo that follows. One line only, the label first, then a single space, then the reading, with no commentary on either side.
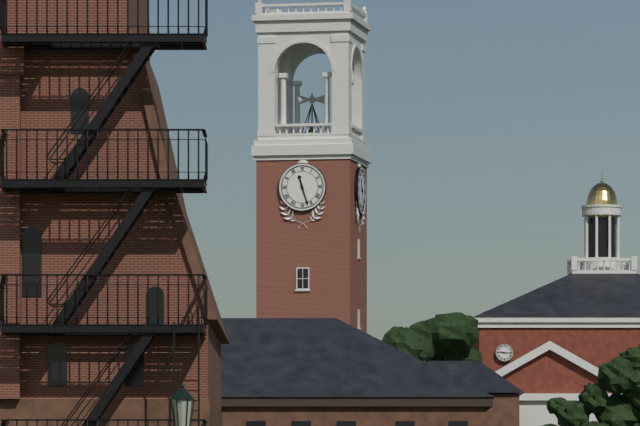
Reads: 11:27
